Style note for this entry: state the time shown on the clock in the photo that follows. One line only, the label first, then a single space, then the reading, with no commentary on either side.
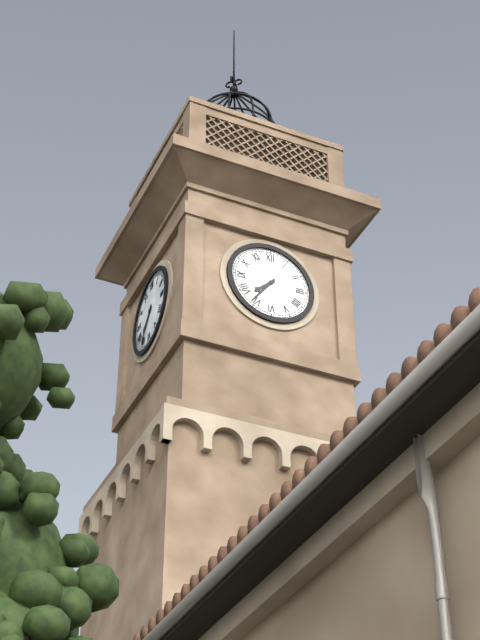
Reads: 7:36
